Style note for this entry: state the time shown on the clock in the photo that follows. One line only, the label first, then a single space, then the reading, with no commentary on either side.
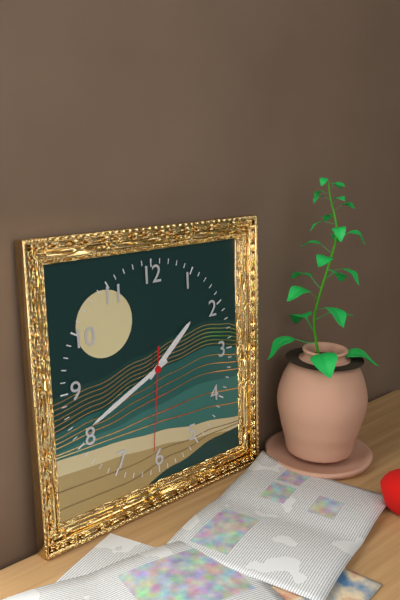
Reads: 1:41:31
